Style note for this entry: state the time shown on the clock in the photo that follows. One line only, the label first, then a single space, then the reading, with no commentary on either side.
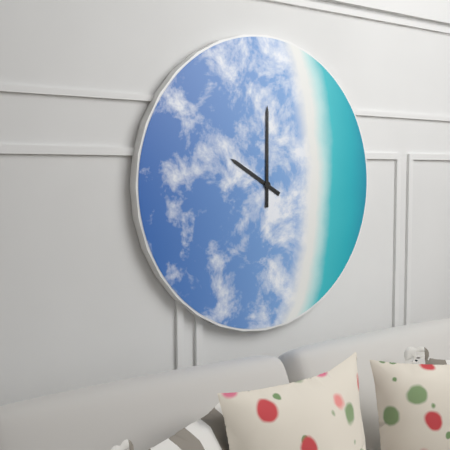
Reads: 10:00
